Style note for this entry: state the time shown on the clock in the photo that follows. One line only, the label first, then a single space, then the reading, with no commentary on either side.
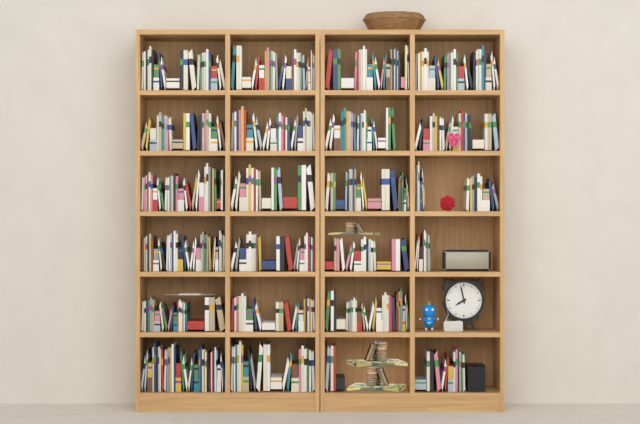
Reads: 7:58
